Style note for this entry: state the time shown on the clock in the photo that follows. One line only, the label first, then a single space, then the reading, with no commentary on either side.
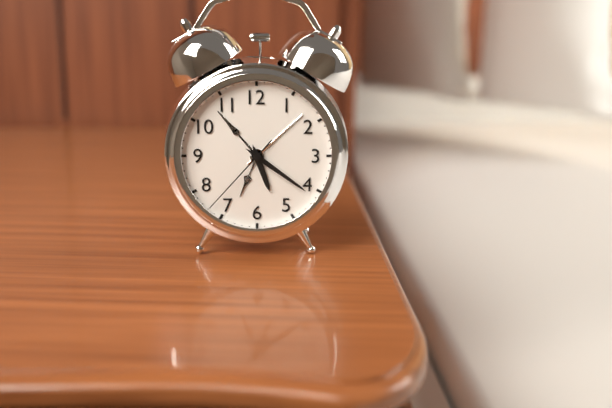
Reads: 5:21:37
